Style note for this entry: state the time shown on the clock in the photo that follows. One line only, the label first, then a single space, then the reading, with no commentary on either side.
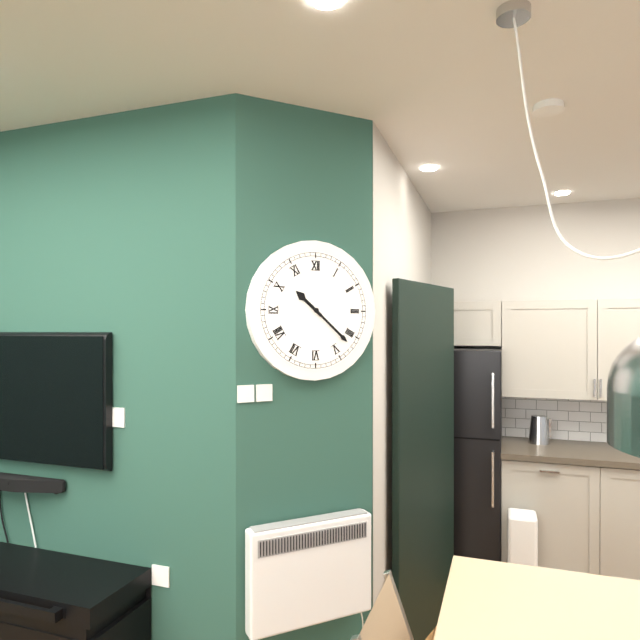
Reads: 10:22
